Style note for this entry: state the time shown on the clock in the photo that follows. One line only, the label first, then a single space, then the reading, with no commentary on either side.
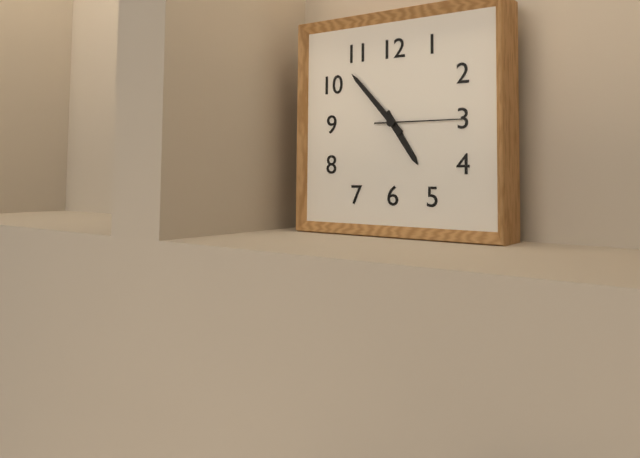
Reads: 4:53:15
